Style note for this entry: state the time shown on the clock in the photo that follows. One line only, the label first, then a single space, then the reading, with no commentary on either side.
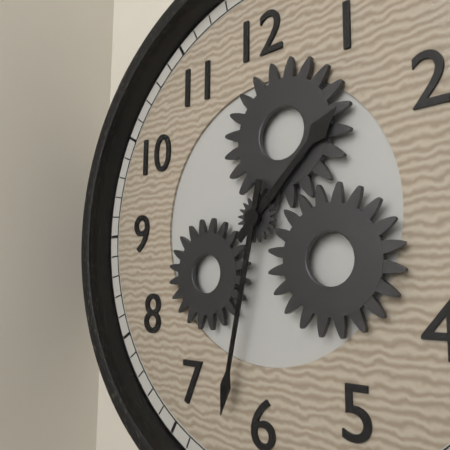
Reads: 1:32
